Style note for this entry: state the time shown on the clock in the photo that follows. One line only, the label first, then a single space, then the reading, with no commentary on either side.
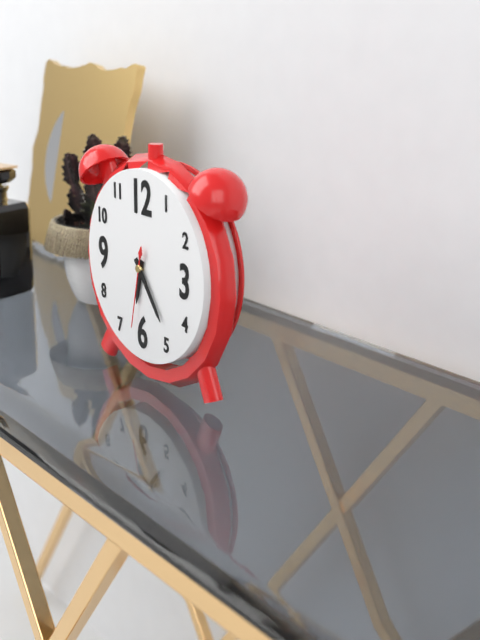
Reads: 6:24:32
